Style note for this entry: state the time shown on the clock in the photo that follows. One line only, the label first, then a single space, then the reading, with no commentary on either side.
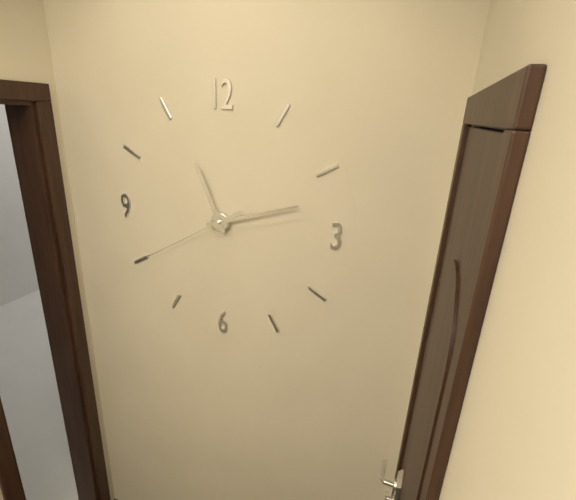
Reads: 11:12:40
